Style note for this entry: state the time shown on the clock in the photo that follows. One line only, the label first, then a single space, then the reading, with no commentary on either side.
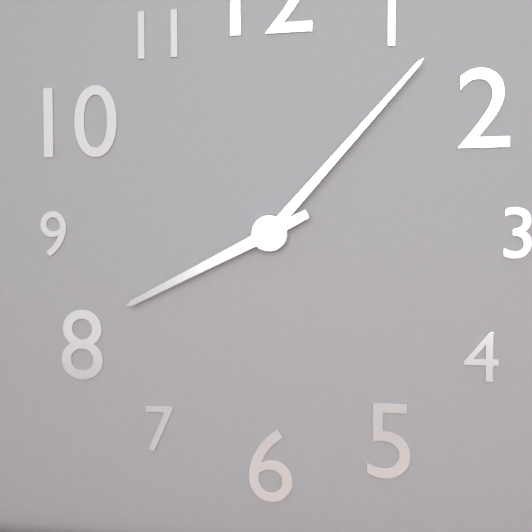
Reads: 8:07
